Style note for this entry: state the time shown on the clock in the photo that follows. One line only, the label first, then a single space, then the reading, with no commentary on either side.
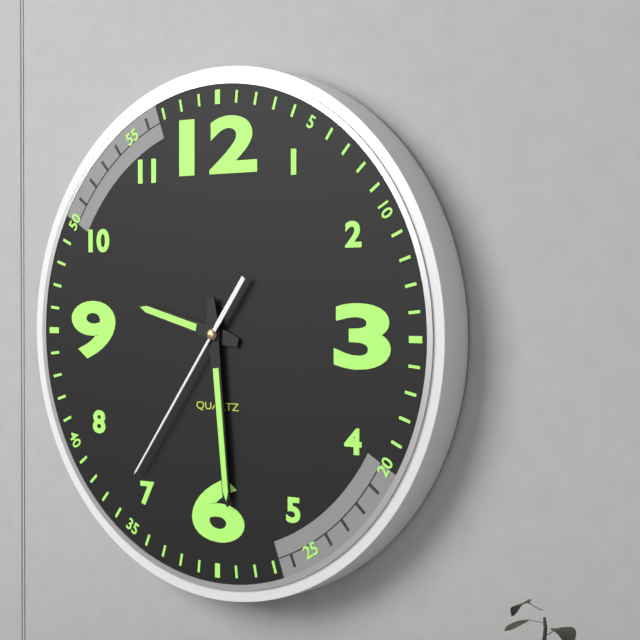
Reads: 9:29:36
